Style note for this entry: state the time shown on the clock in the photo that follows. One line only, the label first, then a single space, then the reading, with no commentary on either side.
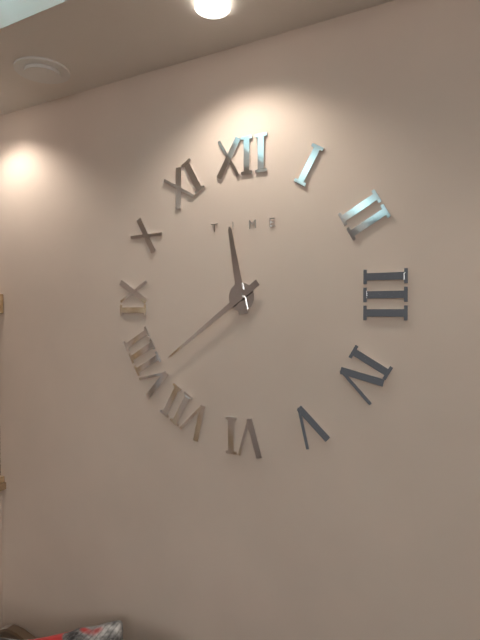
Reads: 11:39
